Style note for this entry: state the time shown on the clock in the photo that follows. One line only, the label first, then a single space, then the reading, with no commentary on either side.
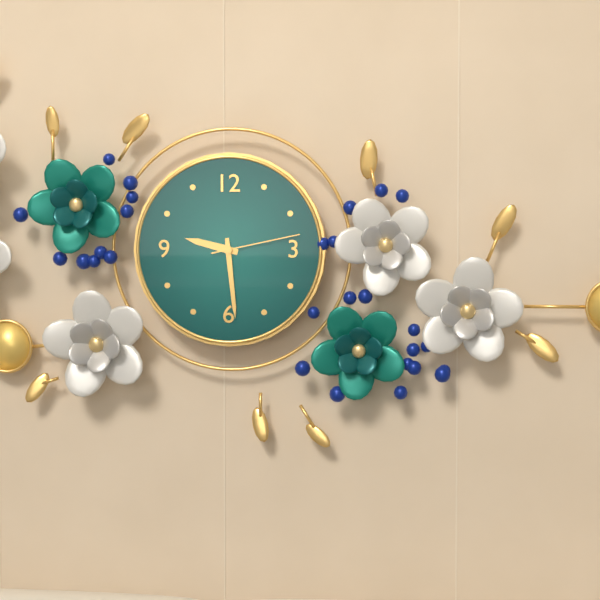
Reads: 9:29:13
